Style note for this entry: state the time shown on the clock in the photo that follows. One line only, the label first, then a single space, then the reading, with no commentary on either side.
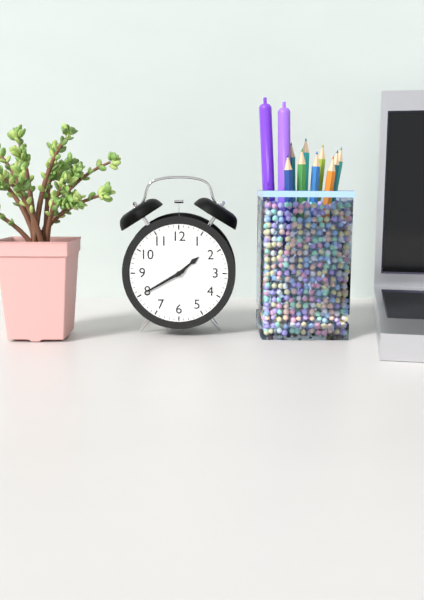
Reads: 1:40
